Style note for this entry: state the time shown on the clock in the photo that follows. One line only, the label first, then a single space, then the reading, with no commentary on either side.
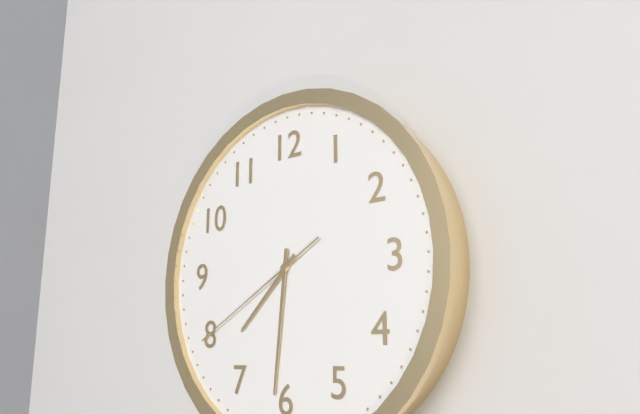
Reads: 7:31:40
